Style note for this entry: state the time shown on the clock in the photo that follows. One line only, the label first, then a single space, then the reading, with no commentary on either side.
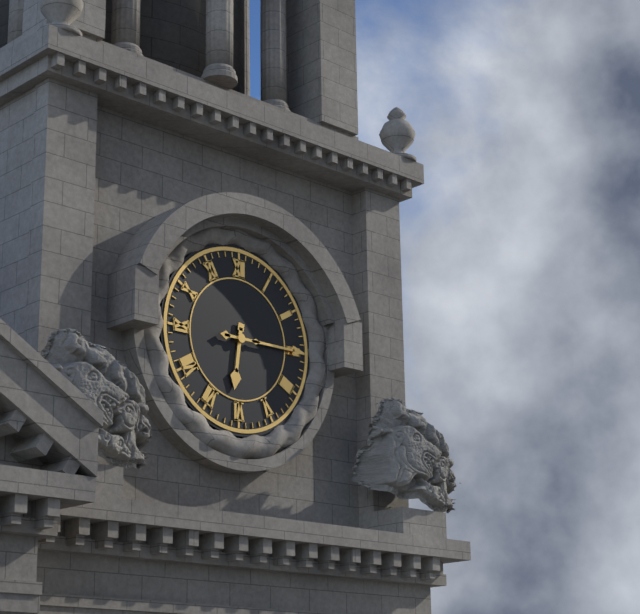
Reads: 6:15
